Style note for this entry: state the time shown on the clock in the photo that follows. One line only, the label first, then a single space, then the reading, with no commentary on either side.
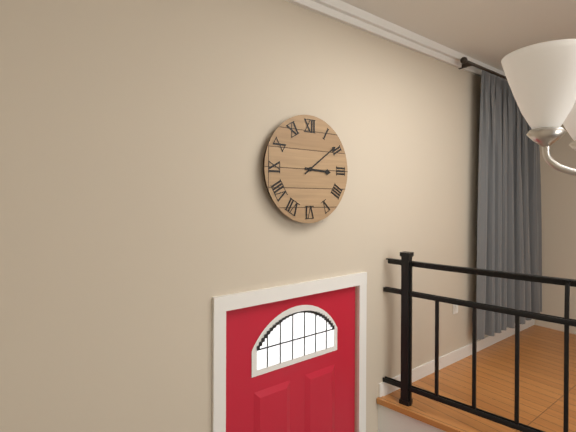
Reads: 3:09
